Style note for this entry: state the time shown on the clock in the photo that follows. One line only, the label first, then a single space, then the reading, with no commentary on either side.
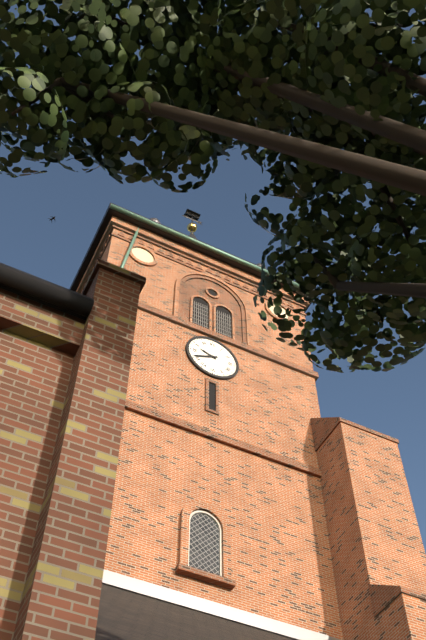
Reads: 9:41
